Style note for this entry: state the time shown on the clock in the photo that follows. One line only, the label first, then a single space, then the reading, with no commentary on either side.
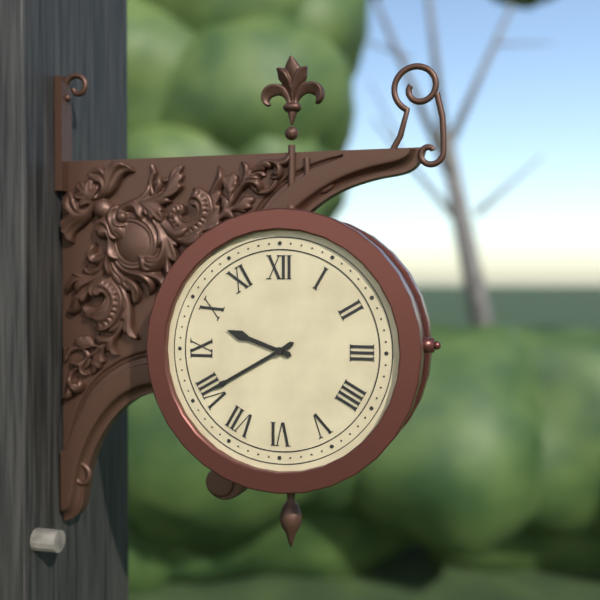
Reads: 9:40
